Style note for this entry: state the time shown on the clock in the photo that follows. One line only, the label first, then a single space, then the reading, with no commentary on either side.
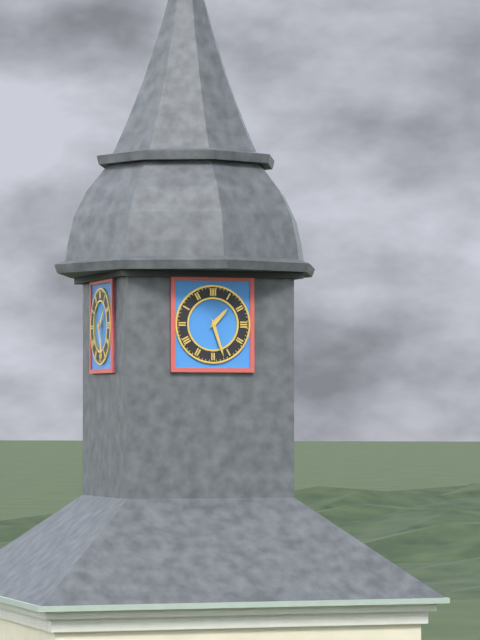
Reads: 1:27
